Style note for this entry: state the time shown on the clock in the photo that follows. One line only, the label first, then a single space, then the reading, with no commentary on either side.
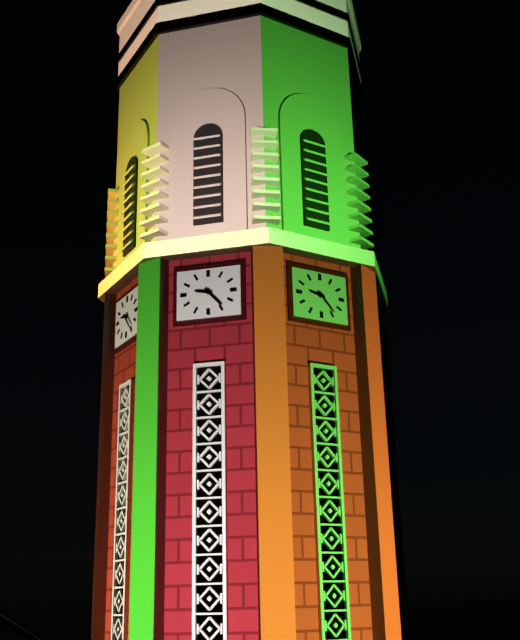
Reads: 9:23
